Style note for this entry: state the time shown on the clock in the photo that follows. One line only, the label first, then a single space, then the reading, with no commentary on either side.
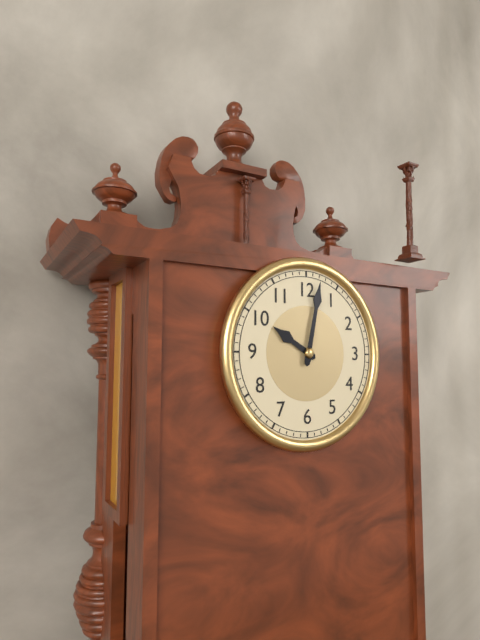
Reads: 10:02
